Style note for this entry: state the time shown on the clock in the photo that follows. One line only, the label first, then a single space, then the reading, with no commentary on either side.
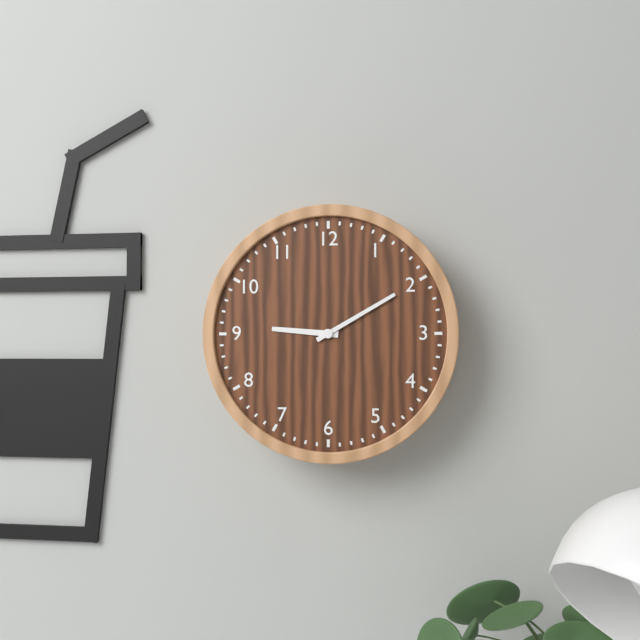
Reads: 9:10
